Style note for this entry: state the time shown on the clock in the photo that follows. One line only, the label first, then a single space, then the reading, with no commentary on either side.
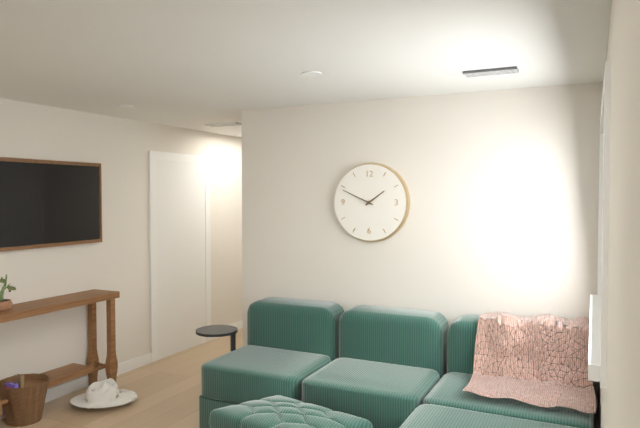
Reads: 1:49
